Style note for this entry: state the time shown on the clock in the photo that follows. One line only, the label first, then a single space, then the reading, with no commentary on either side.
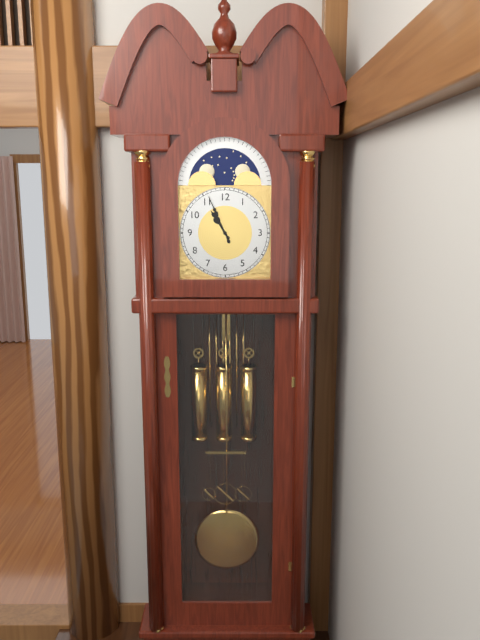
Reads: 10:56
